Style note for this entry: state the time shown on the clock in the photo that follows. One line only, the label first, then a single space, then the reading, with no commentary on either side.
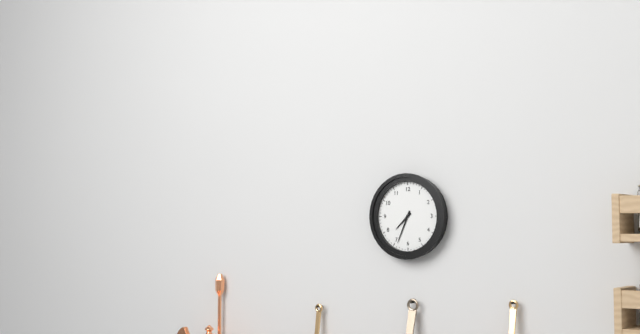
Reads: 7:34
